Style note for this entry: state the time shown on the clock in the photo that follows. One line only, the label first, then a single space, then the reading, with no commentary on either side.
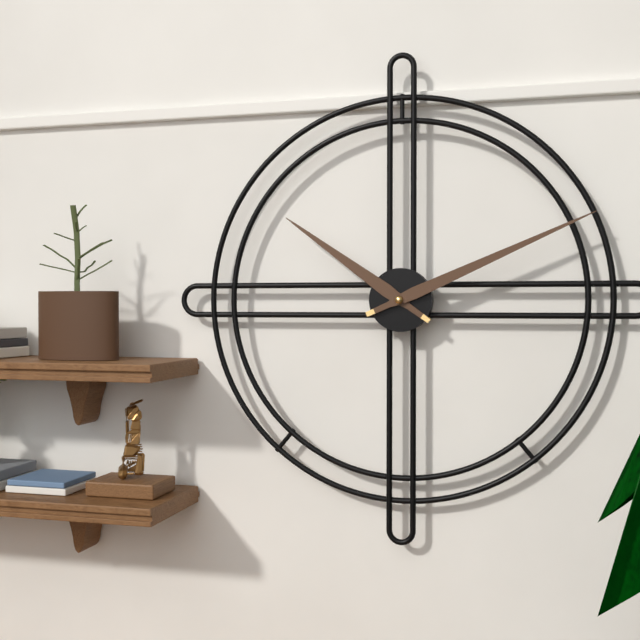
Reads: 10:11
